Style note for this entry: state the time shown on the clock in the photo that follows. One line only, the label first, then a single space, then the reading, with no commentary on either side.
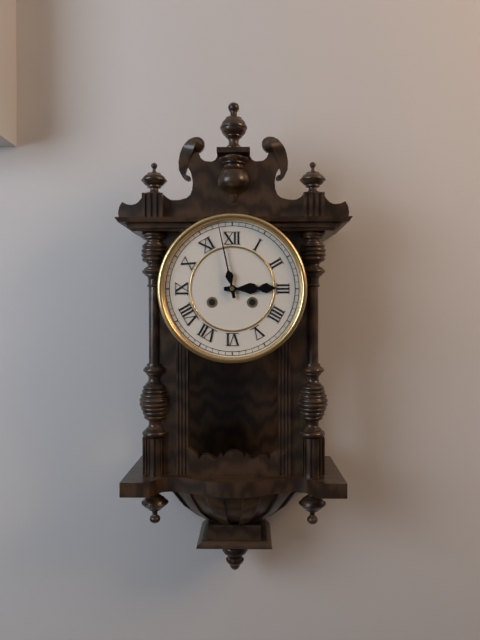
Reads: 2:58
